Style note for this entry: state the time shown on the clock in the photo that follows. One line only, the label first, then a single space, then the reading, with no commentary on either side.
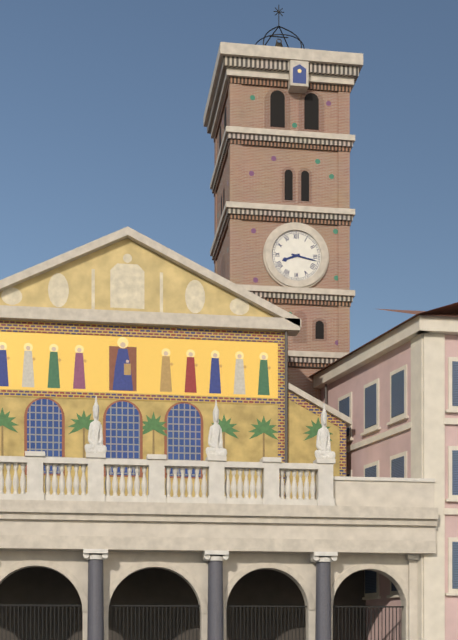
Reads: 8:17
